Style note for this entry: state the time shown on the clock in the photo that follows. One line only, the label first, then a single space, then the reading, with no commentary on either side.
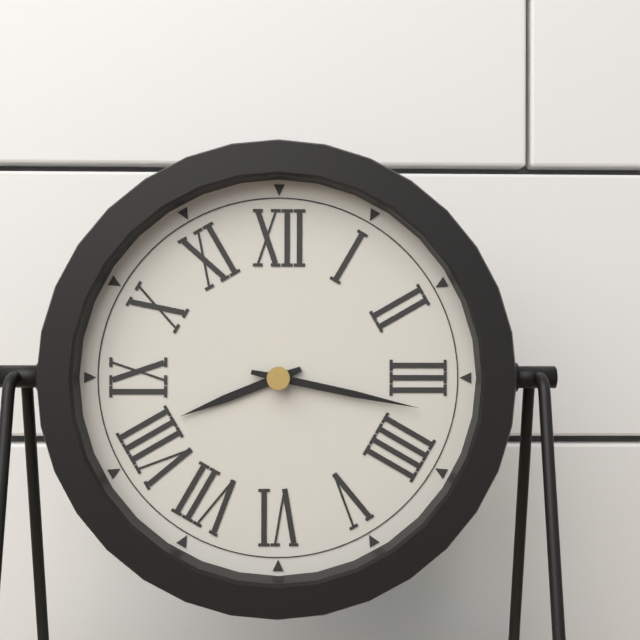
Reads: 8:17
